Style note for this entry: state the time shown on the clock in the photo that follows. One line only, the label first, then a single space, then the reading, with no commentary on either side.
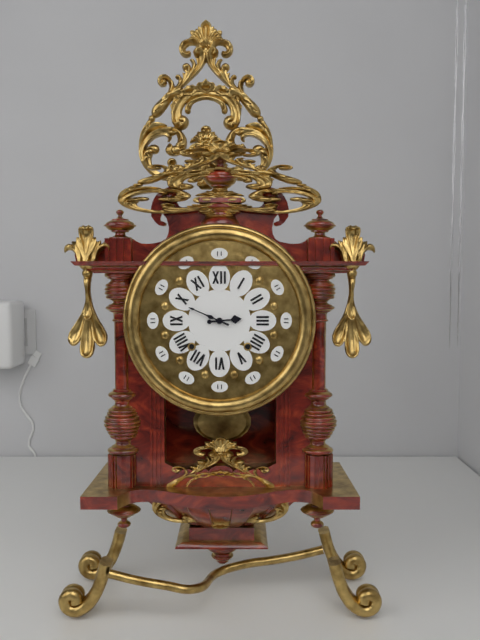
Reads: 2:49
